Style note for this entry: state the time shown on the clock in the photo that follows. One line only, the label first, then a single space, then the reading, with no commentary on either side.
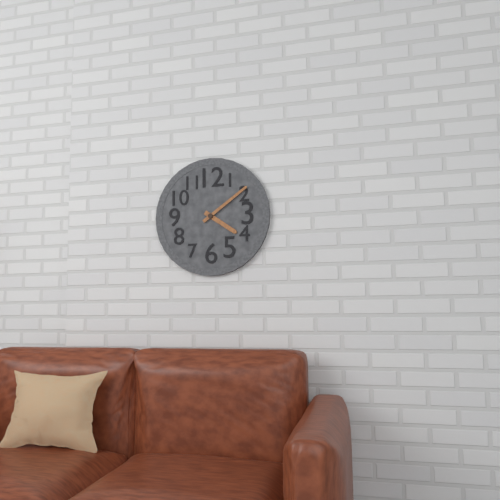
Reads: 4:09
